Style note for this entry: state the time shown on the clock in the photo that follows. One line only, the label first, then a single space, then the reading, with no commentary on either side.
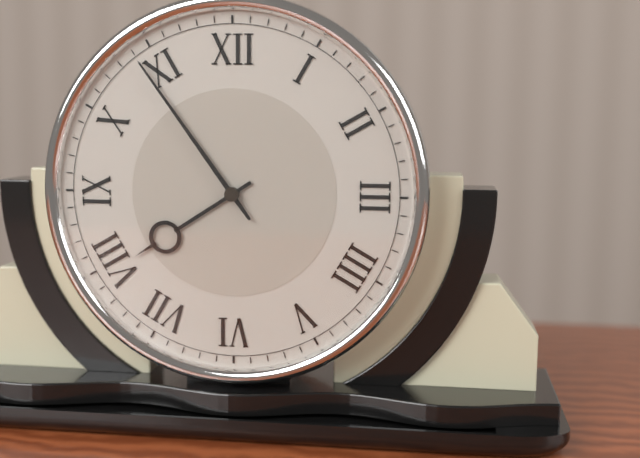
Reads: 7:54
